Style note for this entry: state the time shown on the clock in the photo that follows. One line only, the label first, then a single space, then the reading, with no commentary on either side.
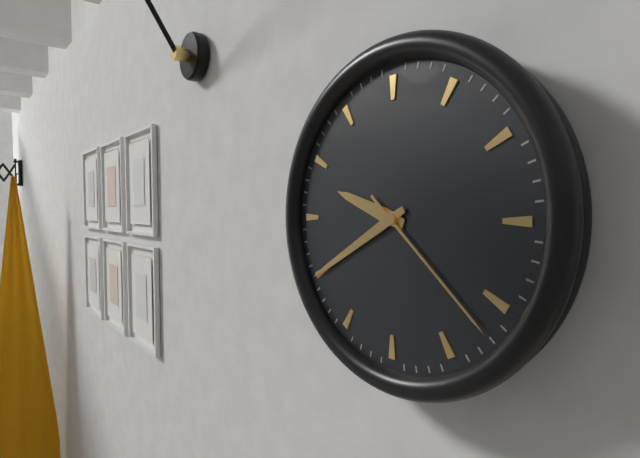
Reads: 9:40:22
